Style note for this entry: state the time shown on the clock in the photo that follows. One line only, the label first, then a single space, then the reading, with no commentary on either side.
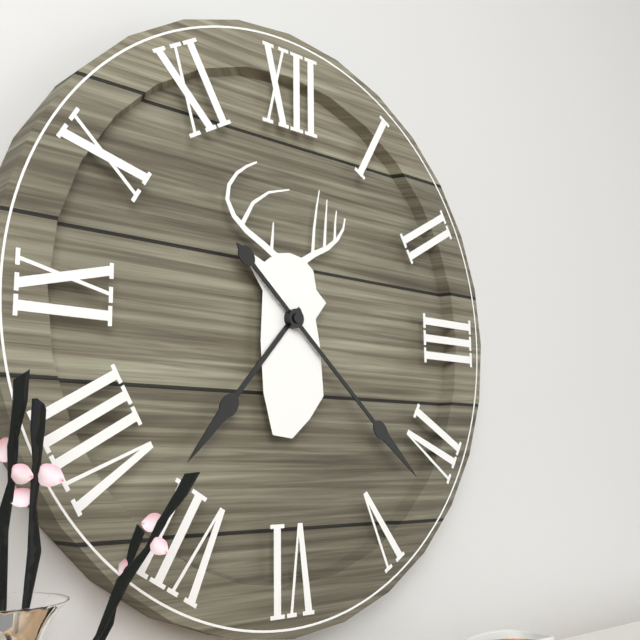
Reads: 7:22
